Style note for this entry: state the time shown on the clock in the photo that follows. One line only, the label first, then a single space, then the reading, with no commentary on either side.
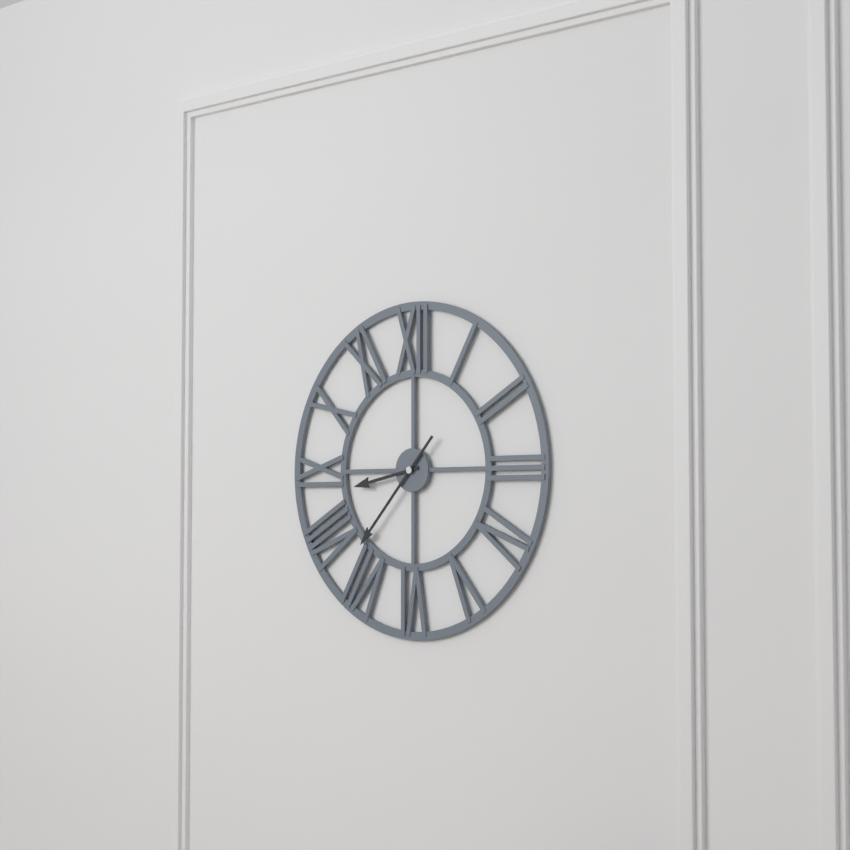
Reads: 8:37
